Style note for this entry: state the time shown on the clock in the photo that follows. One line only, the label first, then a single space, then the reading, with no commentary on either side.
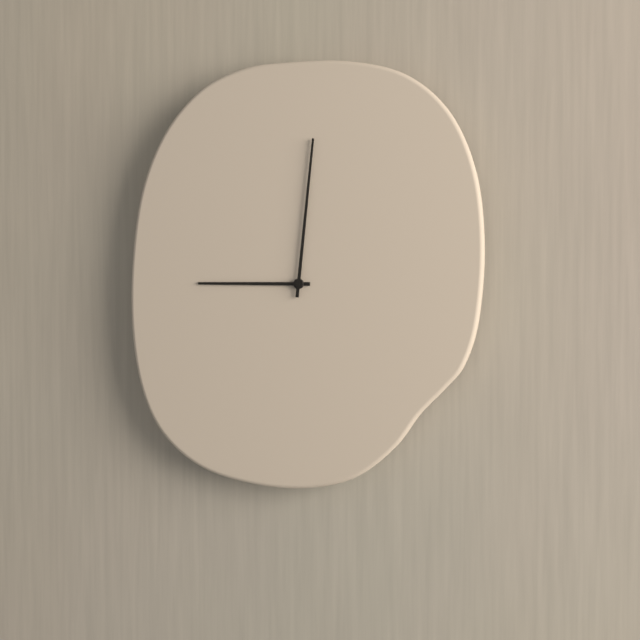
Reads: 9:01
